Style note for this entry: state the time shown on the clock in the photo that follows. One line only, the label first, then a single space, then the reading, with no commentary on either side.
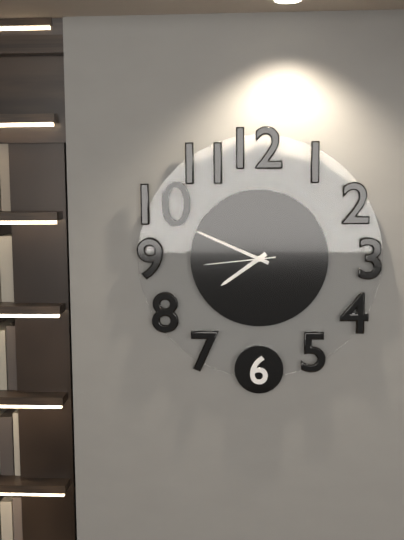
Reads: 7:49:44
